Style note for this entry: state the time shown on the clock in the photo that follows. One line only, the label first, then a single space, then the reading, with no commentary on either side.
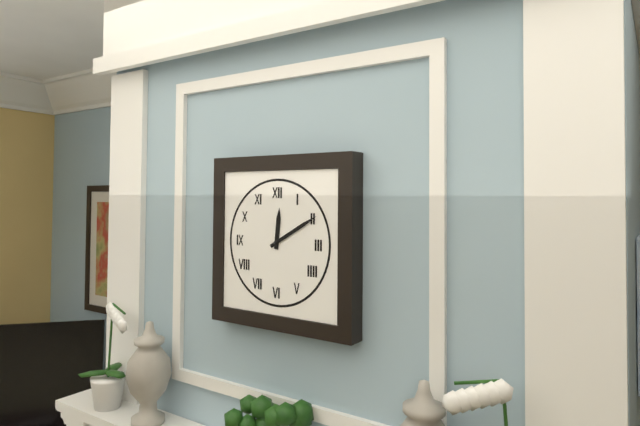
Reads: 12:10
